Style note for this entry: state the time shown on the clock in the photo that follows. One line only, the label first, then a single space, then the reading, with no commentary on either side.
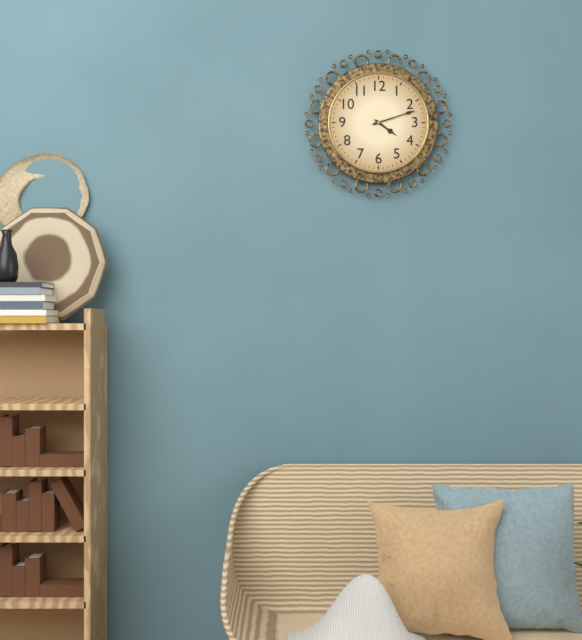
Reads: 4:12
